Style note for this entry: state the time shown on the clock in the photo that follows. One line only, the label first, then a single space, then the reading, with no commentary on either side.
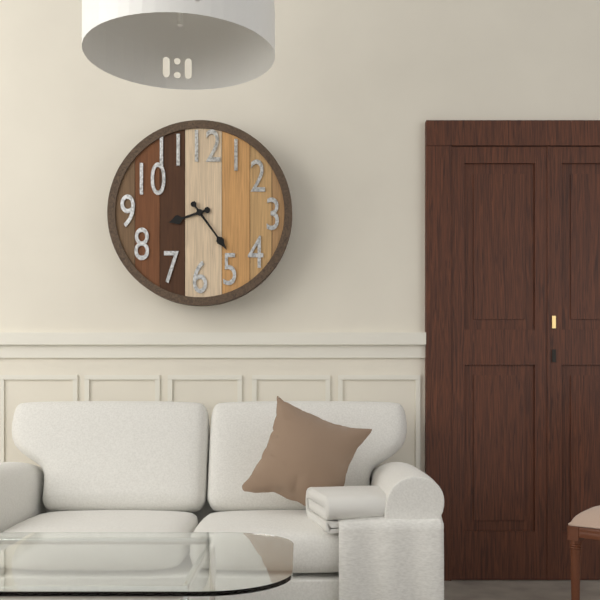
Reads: 8:24
